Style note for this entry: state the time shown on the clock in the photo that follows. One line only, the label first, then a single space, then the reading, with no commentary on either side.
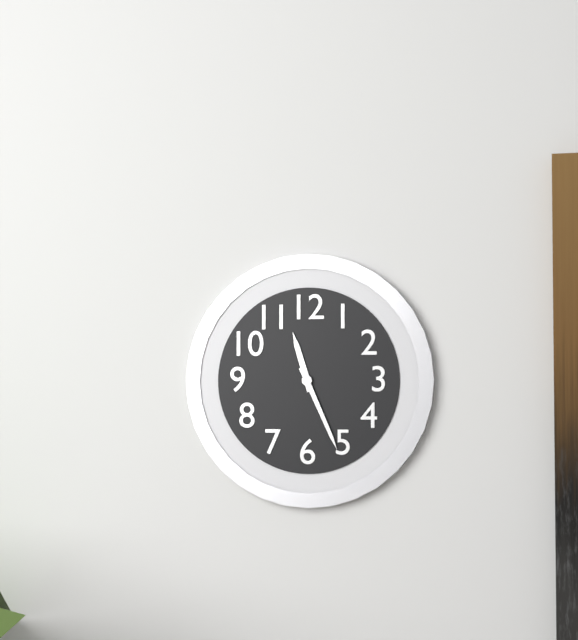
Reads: 11:26
